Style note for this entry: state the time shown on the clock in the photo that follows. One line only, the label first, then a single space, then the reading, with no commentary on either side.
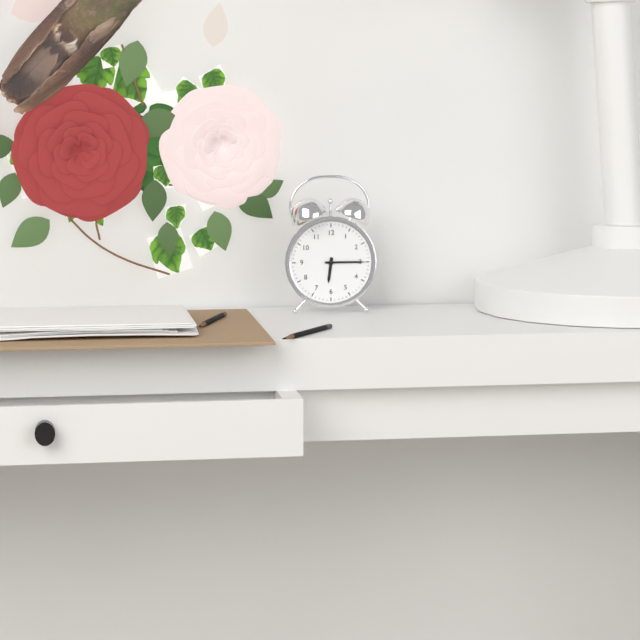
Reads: 6:15
